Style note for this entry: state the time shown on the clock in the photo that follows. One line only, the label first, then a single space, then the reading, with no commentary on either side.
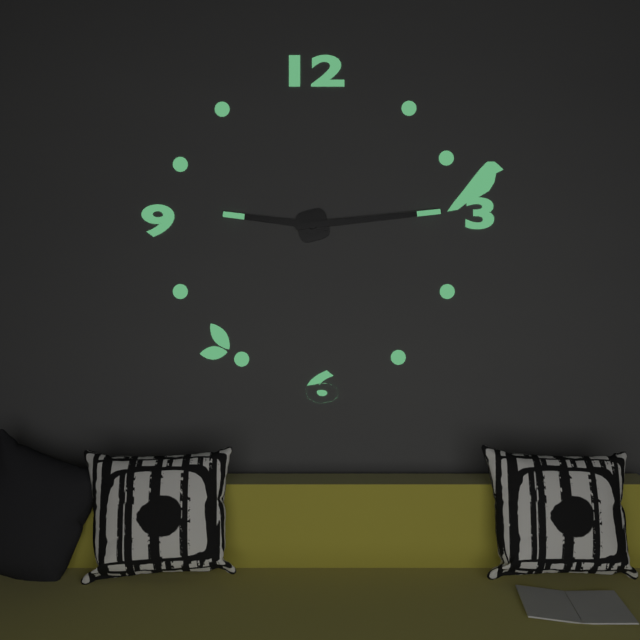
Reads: 9:14
